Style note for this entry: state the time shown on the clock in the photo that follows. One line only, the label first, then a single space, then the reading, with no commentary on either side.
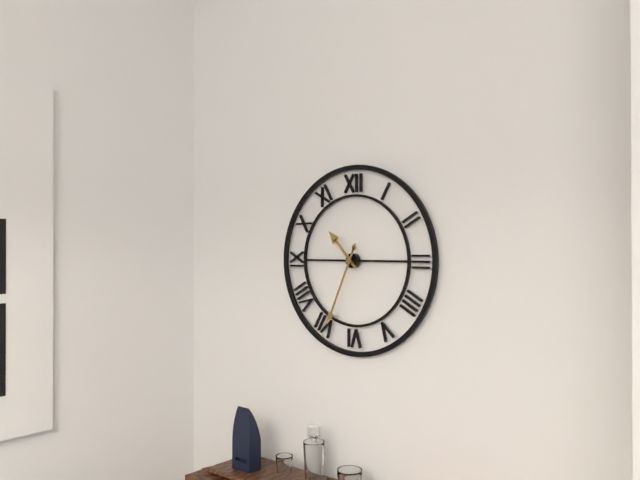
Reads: 10:34
